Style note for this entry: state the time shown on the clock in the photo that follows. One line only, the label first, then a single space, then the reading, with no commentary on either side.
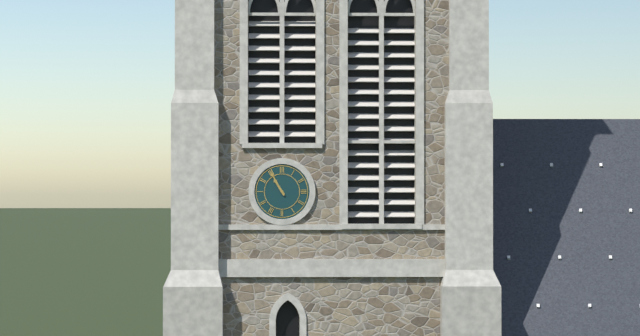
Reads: 10:55
